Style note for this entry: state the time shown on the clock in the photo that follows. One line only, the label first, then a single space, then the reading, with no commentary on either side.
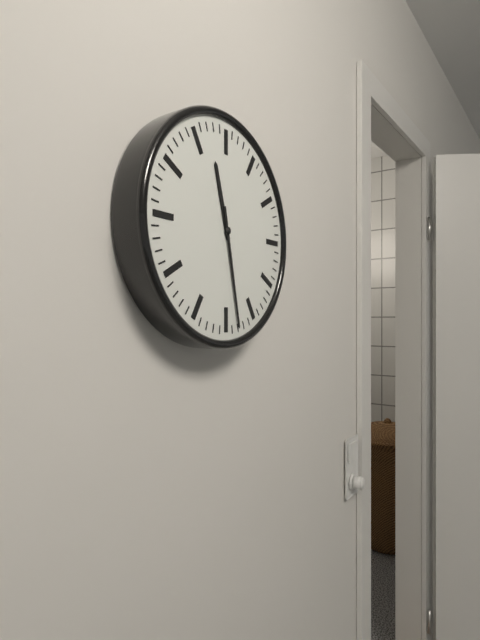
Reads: 11:28
